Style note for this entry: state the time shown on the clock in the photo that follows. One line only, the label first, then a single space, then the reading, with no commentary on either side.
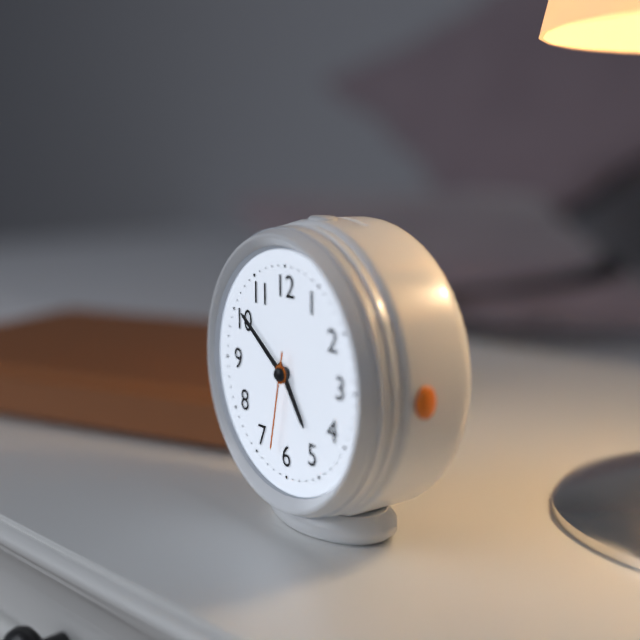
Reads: 4:51:32
